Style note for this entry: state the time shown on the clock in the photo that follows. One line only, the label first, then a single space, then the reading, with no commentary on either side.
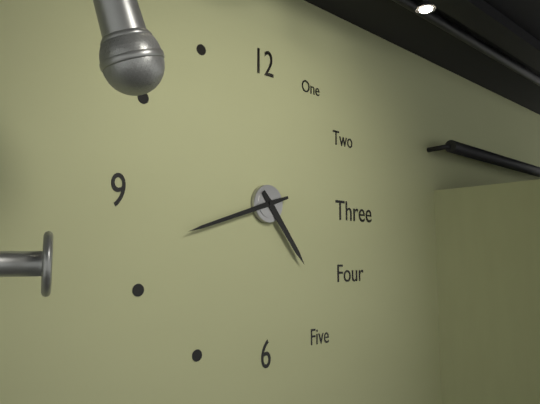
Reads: 4:42
